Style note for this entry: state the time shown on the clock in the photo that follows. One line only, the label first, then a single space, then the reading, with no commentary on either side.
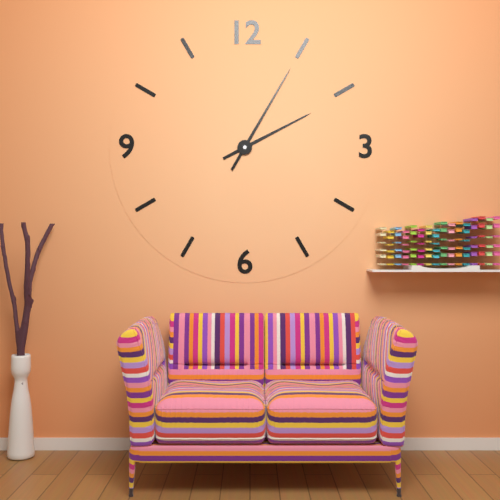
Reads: 2:05
